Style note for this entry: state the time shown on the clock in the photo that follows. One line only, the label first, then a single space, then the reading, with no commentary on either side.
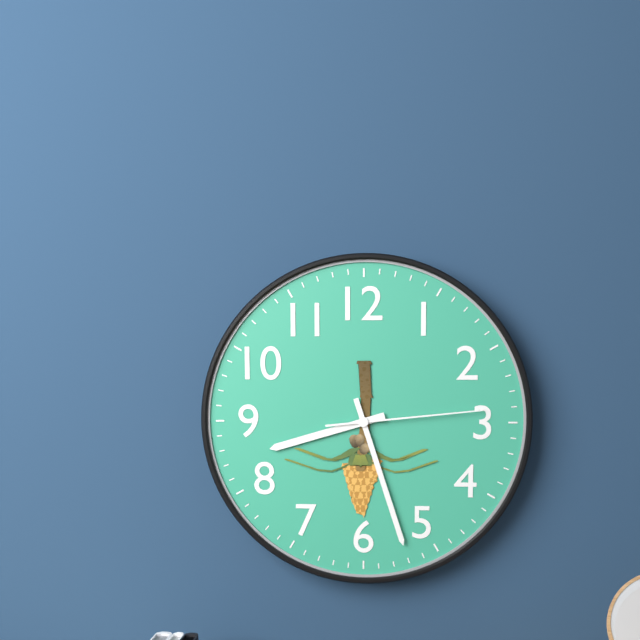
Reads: 8:27:14
